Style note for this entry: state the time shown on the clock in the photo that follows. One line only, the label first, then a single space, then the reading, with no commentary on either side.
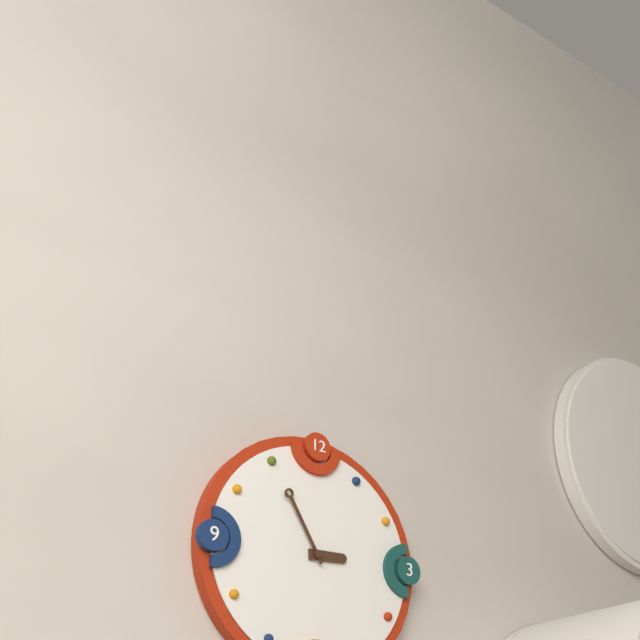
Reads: 2:55
